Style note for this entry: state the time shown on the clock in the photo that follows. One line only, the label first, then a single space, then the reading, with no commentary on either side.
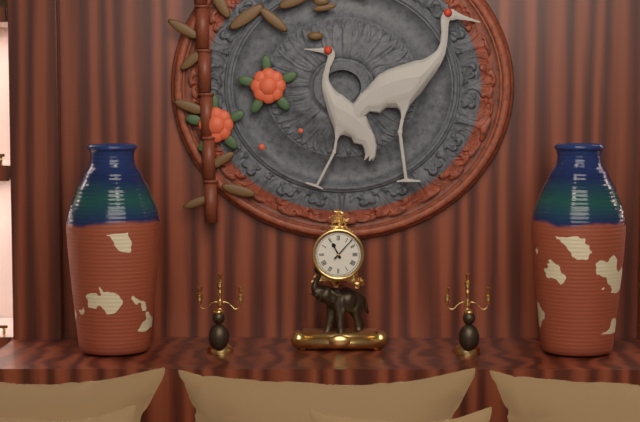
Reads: 11:07
